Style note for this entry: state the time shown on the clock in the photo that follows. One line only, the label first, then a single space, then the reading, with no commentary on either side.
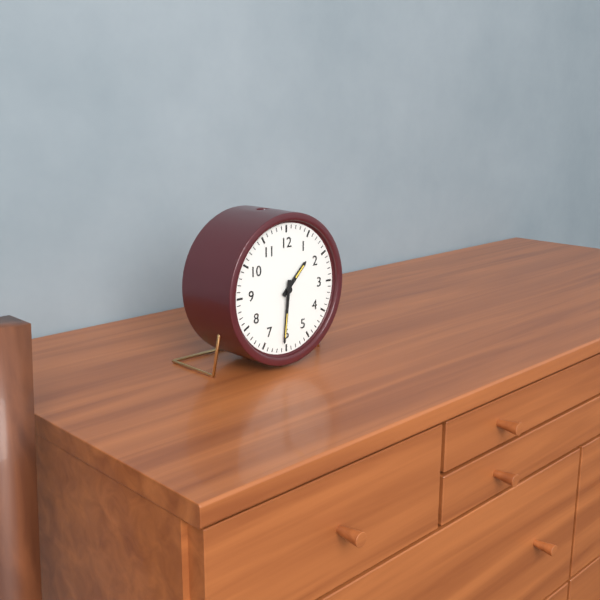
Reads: 1:31
